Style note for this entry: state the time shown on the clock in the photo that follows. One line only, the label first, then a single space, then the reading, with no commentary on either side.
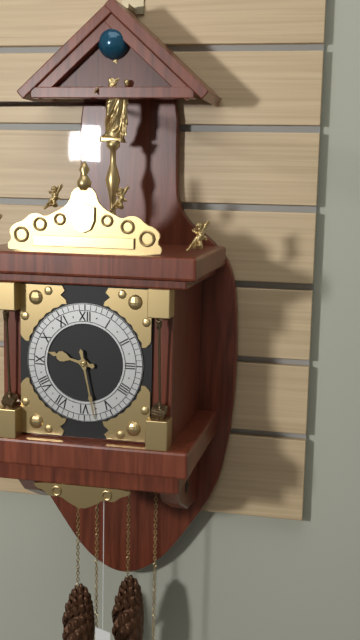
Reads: 9:28
